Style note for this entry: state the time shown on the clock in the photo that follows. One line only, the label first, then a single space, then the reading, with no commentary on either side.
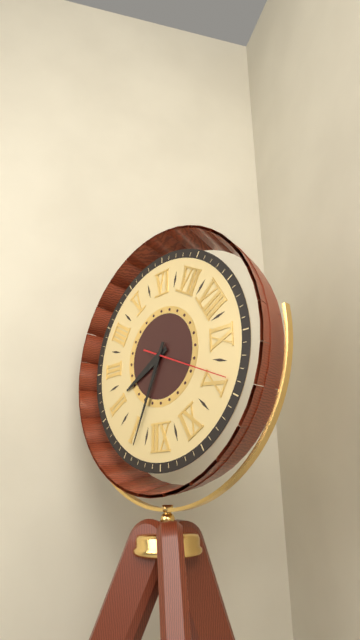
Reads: 2:04:49
